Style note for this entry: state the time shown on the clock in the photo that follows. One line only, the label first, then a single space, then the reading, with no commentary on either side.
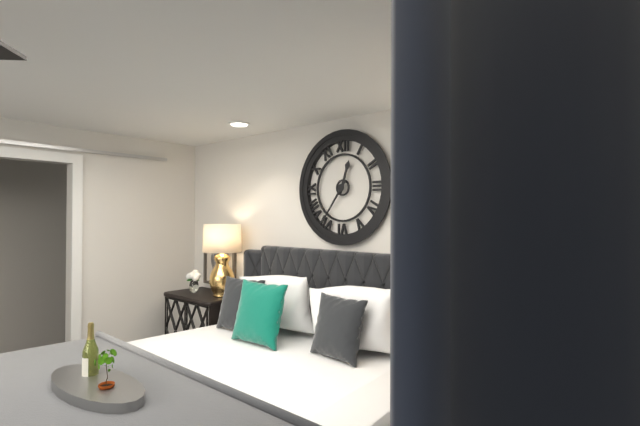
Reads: 12:36
